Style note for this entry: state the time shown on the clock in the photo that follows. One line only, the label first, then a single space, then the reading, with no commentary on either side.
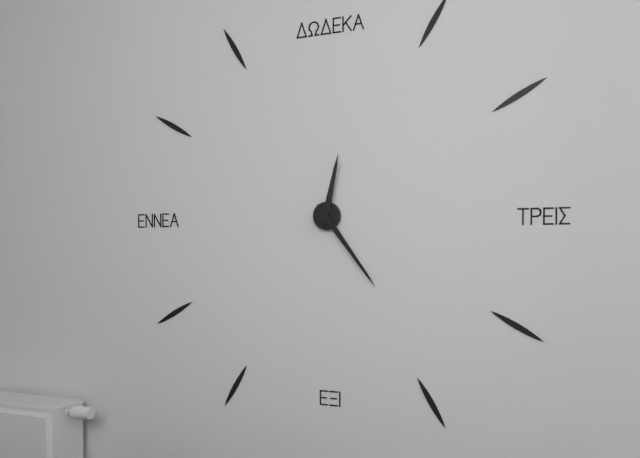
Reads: 12:24
